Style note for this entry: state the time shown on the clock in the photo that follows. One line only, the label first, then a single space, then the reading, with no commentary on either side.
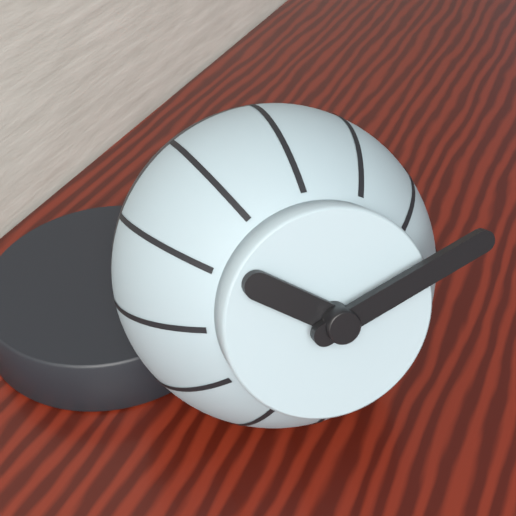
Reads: 10:12
